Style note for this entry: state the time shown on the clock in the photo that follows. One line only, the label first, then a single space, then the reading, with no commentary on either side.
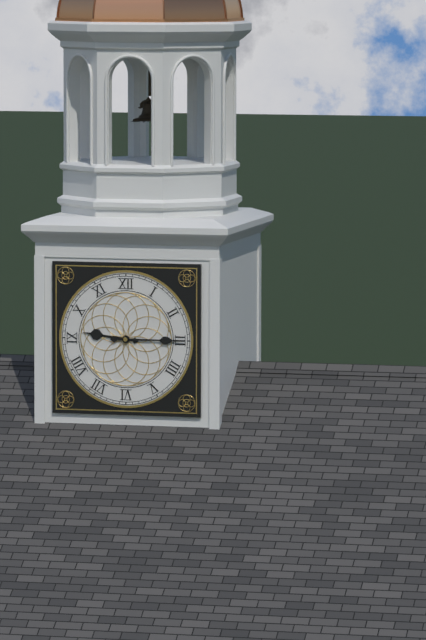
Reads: 9:15
